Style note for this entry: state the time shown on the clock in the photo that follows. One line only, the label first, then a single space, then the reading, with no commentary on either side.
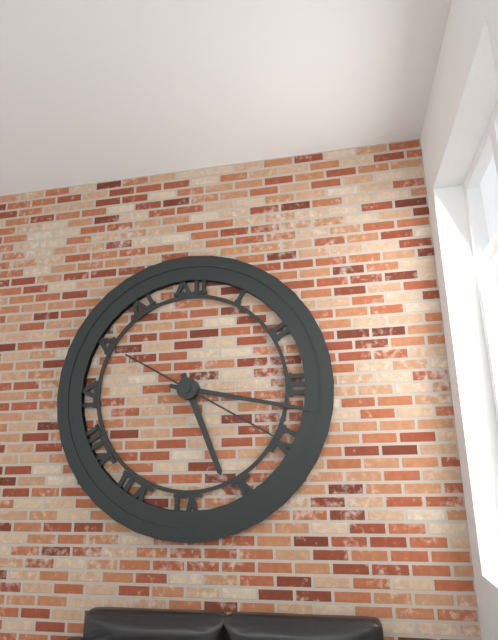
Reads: 5:17:20
